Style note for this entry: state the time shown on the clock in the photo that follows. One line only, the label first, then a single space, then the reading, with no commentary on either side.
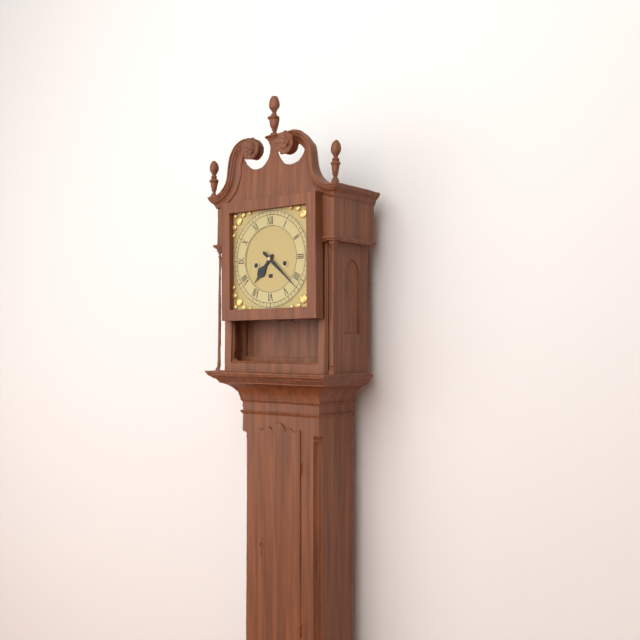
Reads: 7:22
